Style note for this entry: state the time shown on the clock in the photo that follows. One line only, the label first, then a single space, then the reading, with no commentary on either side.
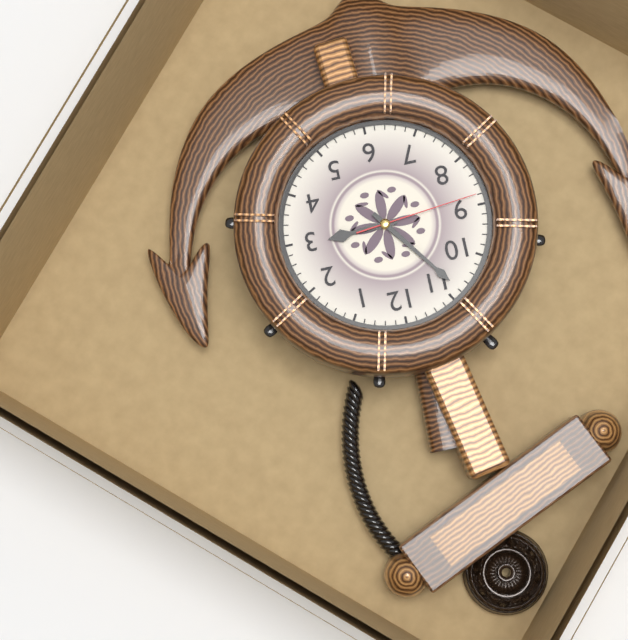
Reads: 2:54:44
